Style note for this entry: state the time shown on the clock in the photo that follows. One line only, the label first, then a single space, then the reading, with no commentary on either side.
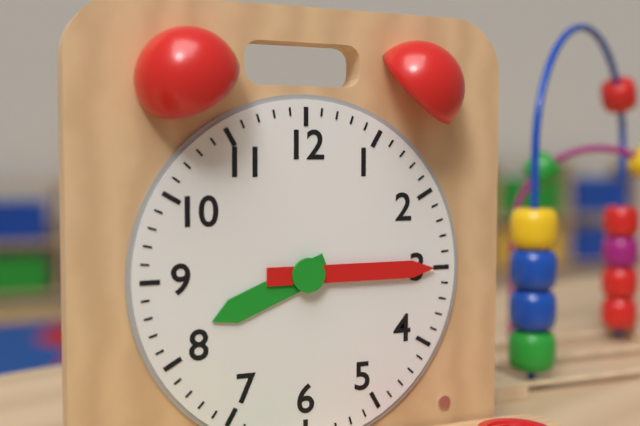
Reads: 8:15
